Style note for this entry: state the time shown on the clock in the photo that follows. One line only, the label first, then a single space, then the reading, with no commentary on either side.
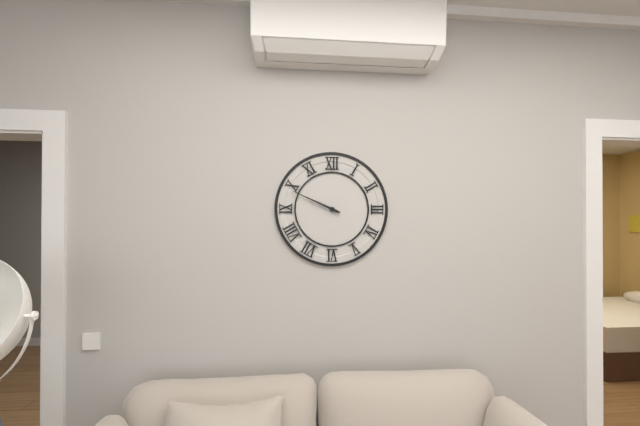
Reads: 9:49
